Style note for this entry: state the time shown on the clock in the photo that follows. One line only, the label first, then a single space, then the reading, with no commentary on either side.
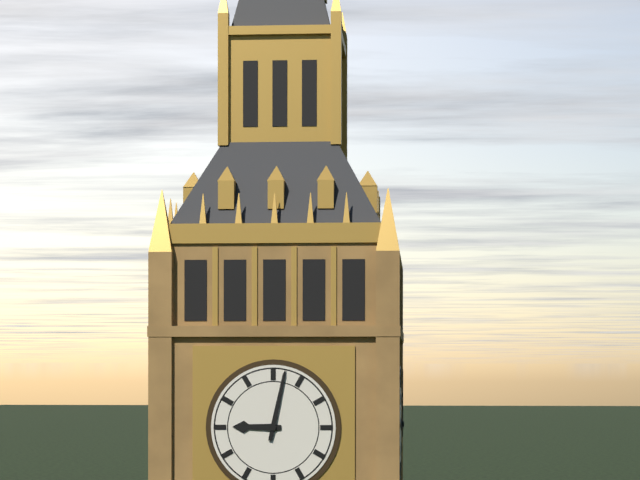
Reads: 9:02
